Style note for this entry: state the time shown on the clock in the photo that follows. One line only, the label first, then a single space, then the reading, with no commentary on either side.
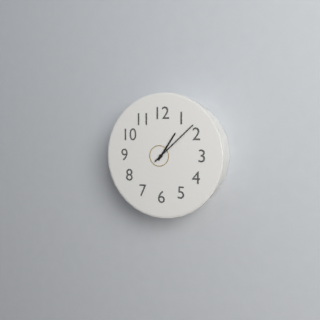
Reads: 1:08
